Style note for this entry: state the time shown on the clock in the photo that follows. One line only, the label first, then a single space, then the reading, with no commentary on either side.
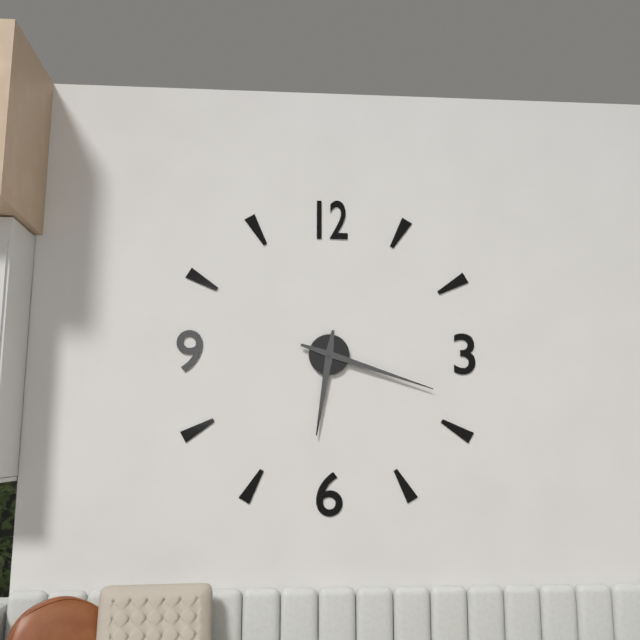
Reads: 6:18
